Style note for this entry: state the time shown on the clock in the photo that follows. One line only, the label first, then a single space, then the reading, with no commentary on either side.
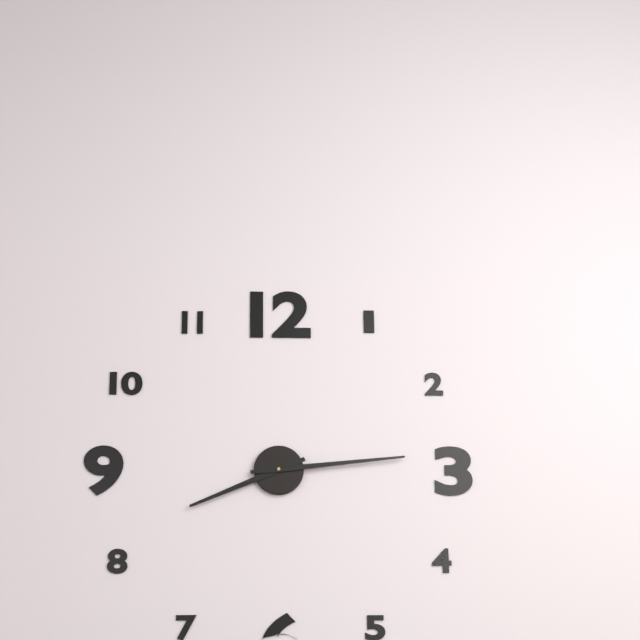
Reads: 8:14
